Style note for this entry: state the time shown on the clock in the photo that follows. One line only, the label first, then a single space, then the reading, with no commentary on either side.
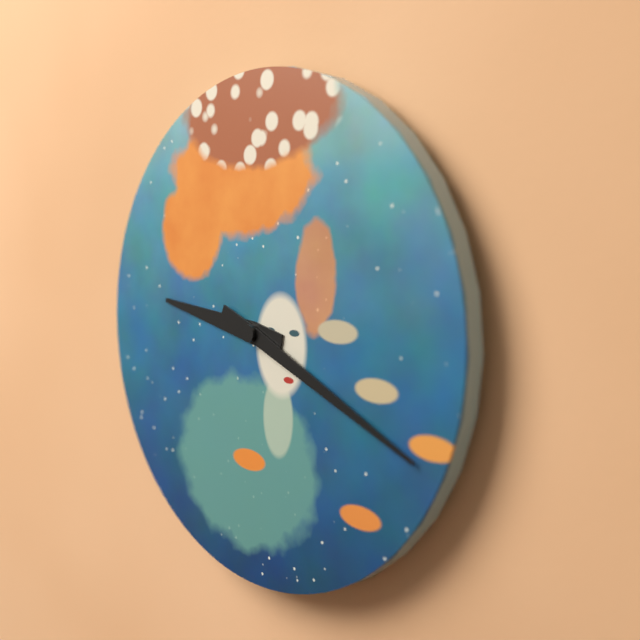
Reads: 9:19
